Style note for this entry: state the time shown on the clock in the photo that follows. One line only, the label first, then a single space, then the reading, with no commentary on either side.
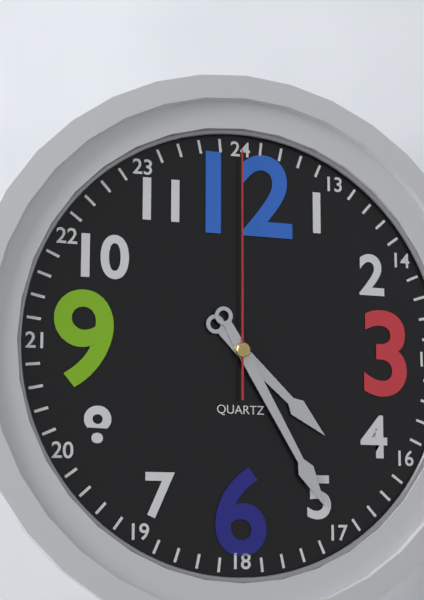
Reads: 4:25:00
